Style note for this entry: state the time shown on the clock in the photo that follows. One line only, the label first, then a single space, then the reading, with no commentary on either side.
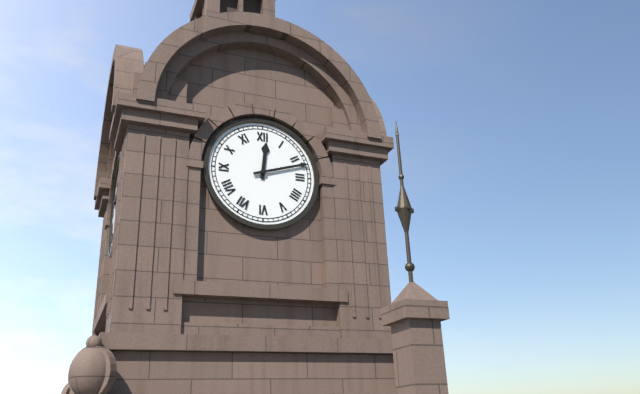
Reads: 12:12
